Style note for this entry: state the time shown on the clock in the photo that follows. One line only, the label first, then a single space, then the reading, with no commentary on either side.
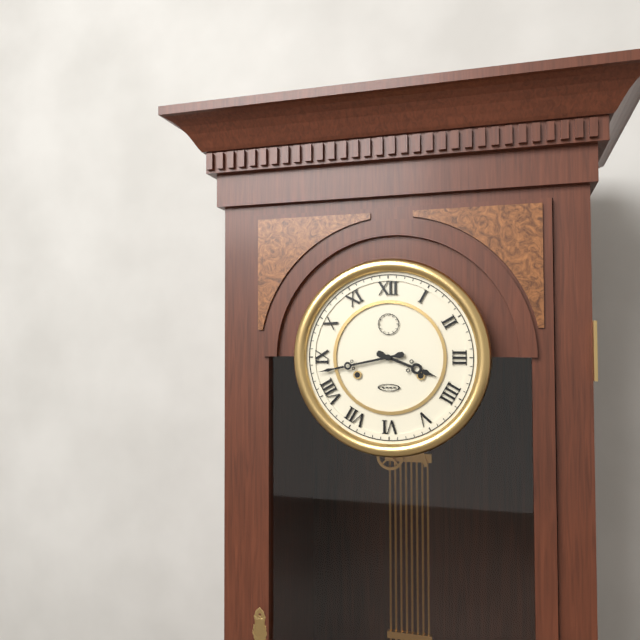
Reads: 3:43
